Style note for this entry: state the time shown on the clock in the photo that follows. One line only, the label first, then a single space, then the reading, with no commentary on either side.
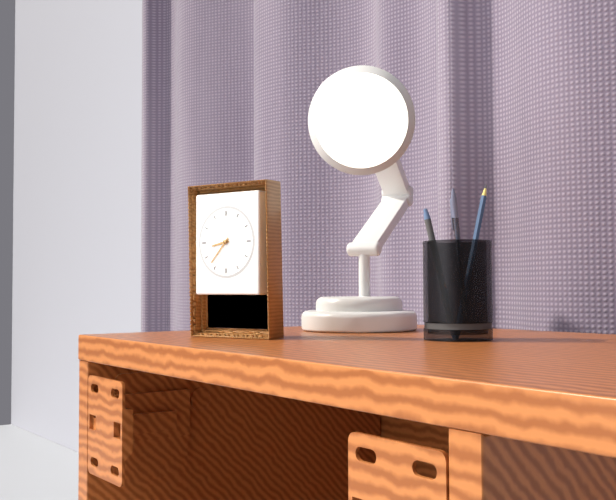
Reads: 8:37
